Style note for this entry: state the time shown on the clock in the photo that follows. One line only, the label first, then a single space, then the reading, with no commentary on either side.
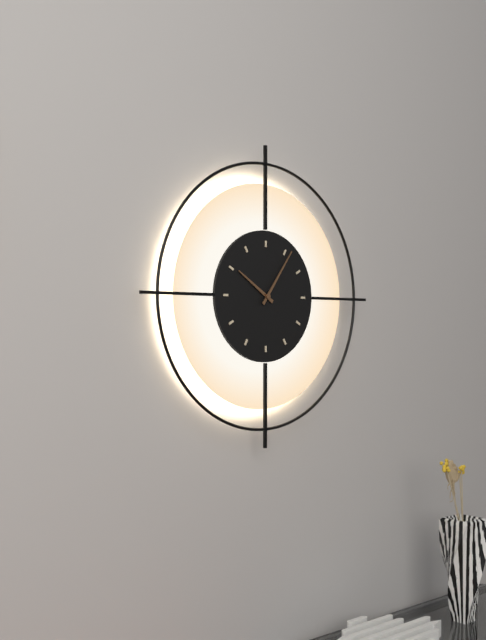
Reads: 10:06
